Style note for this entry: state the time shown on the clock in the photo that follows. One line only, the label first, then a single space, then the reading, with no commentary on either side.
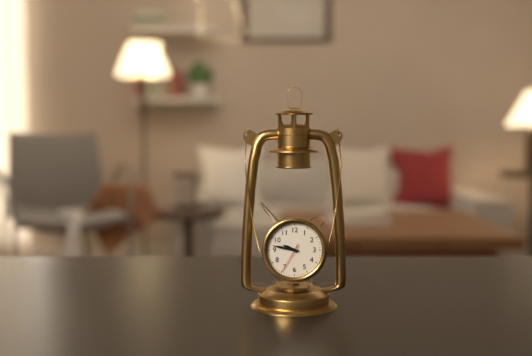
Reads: 9:47
